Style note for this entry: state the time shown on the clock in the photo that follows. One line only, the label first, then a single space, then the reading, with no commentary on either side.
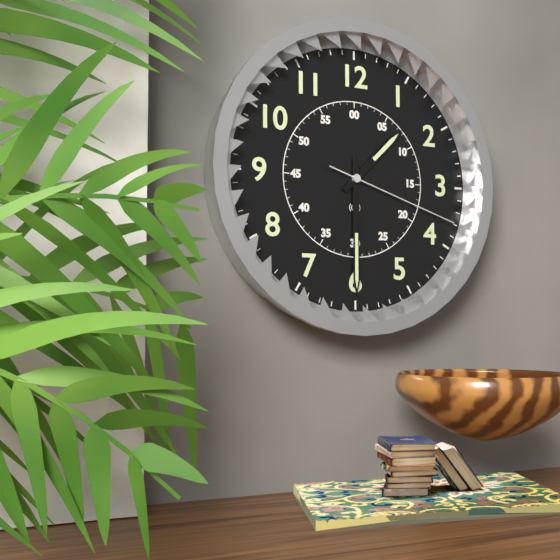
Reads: 1:30:18
